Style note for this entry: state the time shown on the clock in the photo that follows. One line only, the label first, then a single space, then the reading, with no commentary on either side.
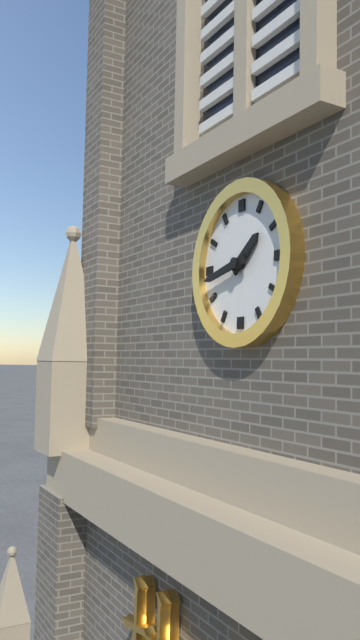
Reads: 1:43
